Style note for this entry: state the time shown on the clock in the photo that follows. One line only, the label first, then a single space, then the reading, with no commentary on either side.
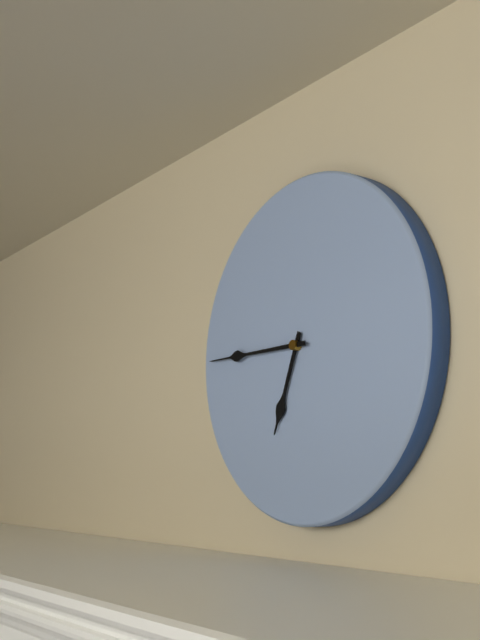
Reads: 6:45
